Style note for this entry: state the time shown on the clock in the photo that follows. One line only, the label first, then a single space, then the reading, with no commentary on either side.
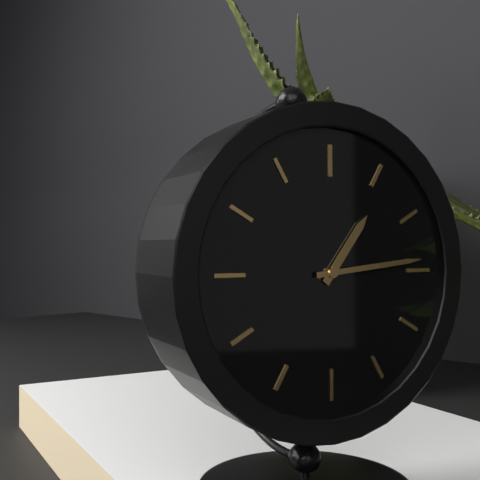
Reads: 1:14
